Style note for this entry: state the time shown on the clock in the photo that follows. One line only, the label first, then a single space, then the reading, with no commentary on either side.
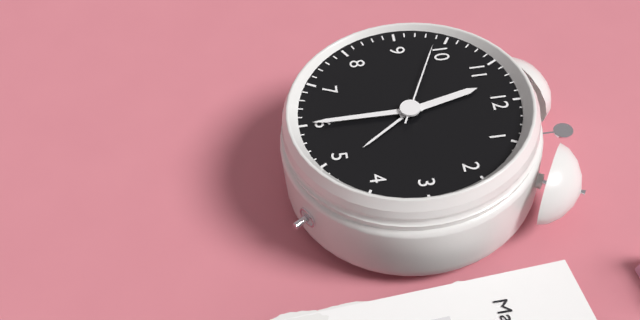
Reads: 11:30:49
